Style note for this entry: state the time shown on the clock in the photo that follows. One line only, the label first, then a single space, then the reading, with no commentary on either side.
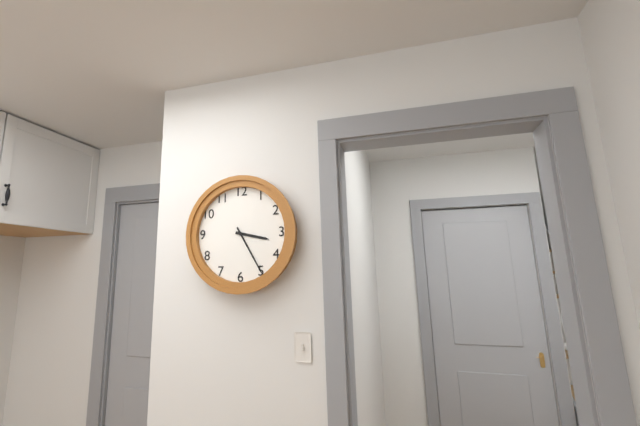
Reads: 3:25
